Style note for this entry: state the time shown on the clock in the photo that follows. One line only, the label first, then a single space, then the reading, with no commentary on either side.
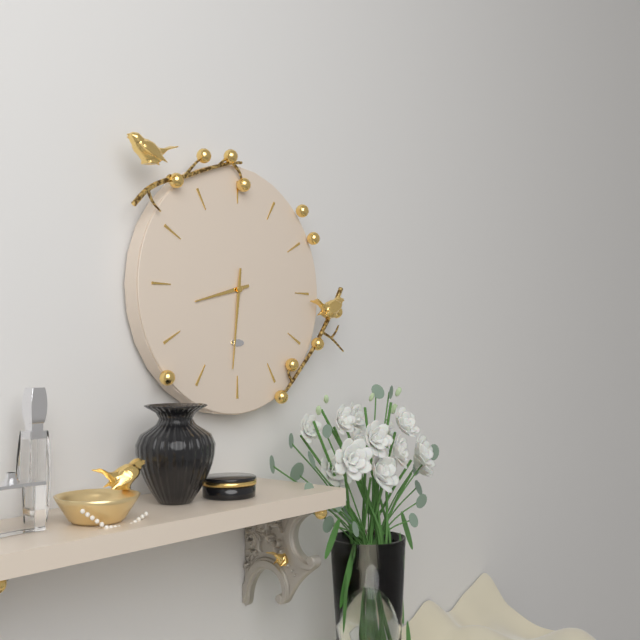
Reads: 8:31
